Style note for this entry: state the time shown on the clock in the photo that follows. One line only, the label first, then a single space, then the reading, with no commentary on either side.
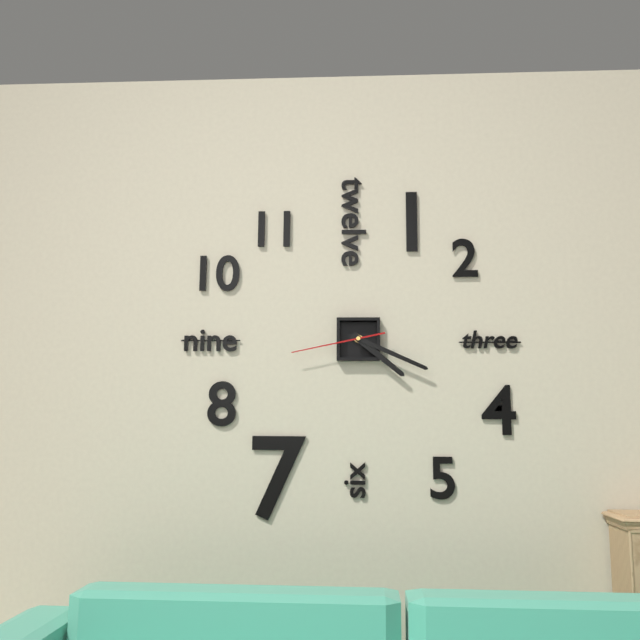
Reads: 4:19:43
